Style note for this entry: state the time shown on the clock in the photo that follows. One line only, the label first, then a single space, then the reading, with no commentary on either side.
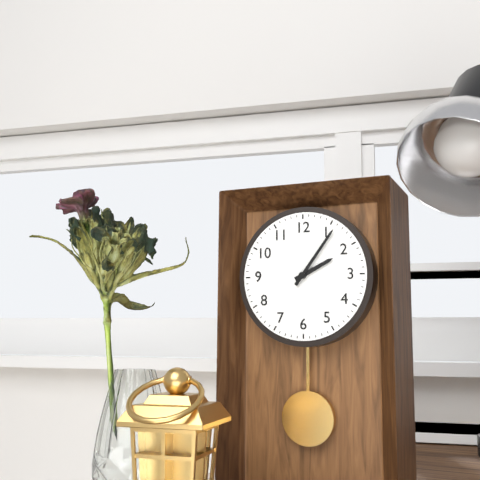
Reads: 2:06
